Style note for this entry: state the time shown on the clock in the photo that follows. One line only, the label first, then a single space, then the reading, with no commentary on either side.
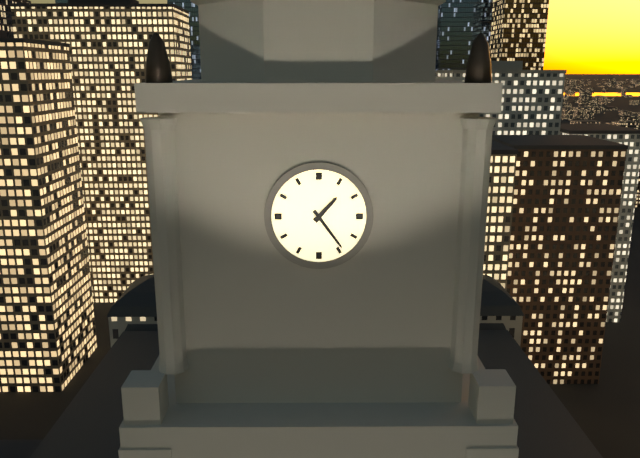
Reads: 1:24
